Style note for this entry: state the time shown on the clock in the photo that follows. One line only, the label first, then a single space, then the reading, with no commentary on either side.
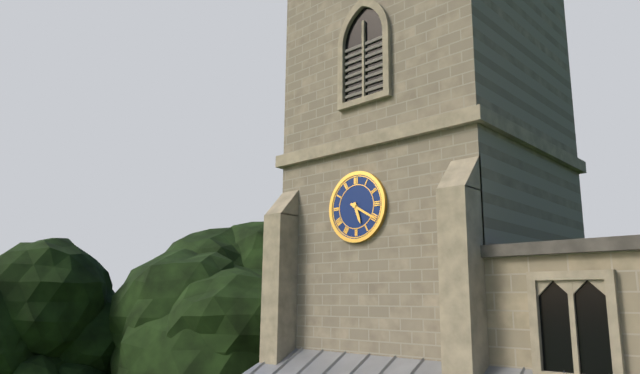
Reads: 5:20
